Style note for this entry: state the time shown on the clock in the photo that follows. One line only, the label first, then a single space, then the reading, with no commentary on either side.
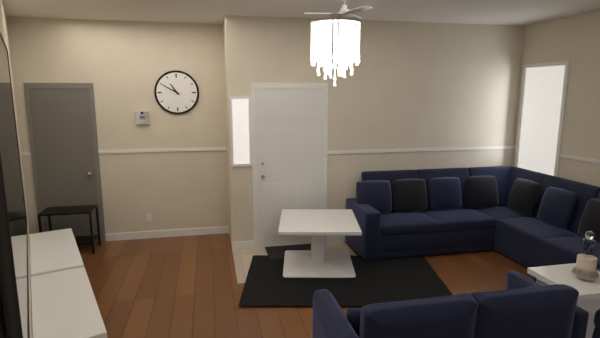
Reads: 10:50
